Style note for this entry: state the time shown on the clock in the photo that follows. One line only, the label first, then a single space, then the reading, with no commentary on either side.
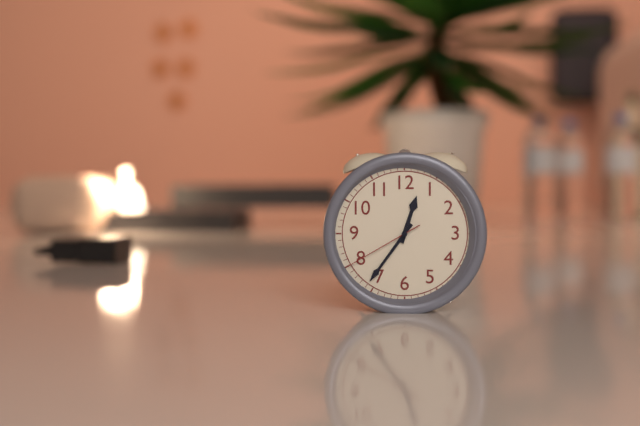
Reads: 12:36:40
